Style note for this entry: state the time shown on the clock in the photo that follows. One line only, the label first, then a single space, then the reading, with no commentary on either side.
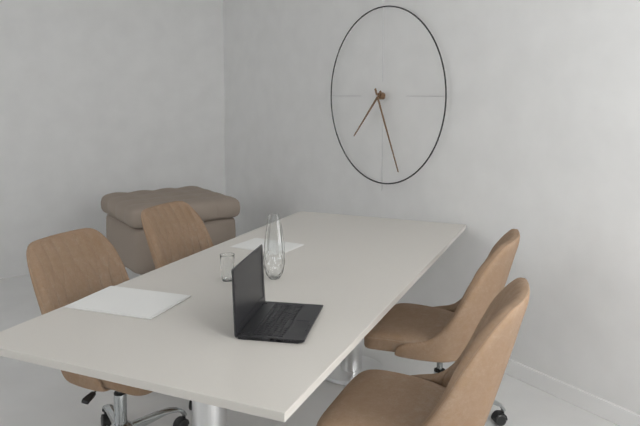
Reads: 7:26
